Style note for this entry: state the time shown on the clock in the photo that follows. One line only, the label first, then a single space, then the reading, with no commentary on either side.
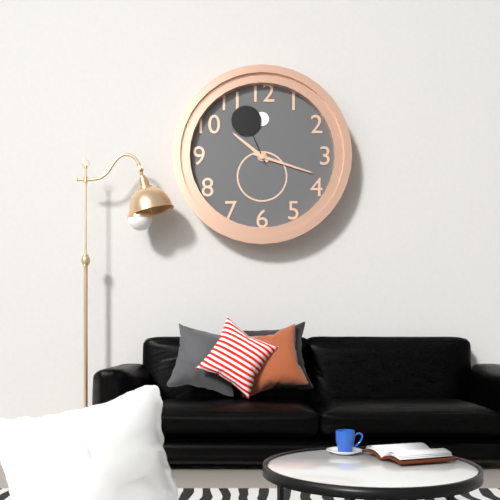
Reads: 10:18:56
